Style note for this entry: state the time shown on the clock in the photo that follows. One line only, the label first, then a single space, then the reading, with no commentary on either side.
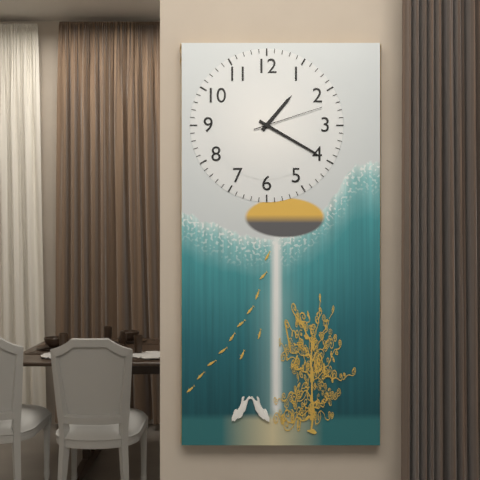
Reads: 1:20:12
